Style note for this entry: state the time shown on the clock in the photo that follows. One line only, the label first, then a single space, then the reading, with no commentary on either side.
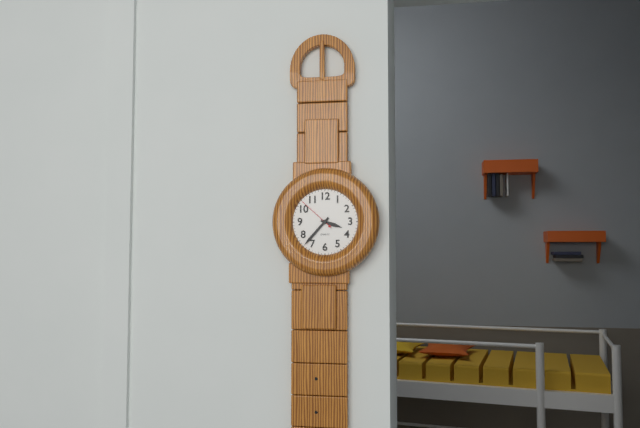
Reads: 3:37
